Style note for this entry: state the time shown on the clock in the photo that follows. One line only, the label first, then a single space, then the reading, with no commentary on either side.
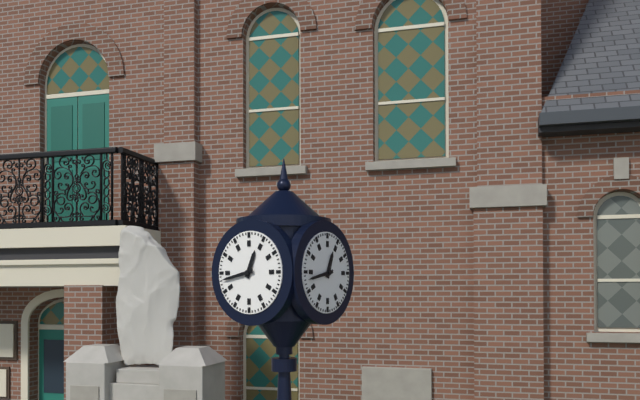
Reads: 12:43
